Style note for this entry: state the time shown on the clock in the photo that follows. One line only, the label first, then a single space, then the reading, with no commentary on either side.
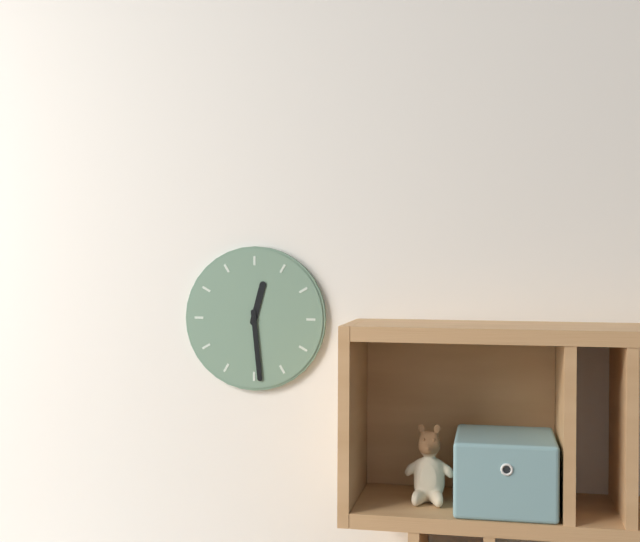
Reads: 12:29
